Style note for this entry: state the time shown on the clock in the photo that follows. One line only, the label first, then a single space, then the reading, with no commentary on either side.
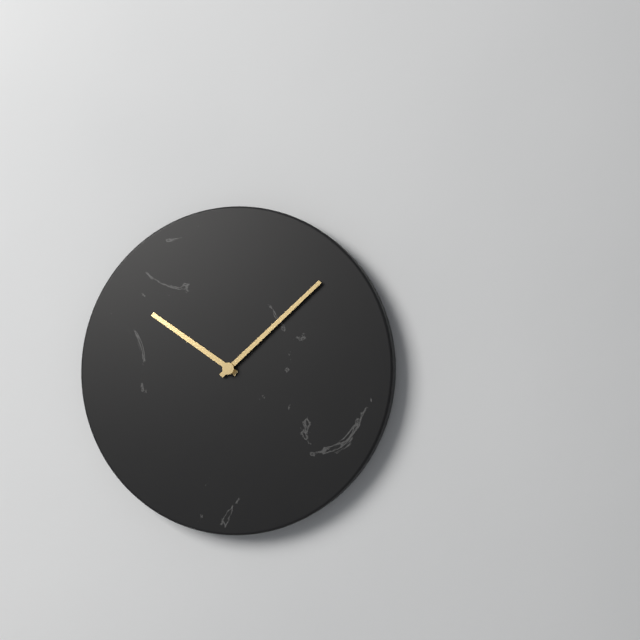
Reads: 10:08
